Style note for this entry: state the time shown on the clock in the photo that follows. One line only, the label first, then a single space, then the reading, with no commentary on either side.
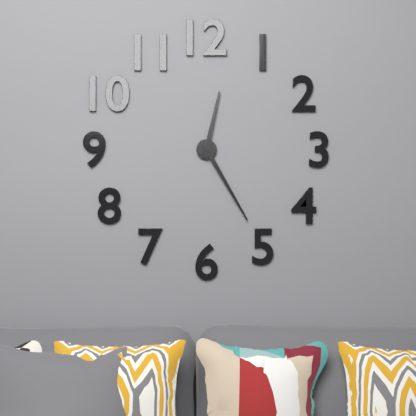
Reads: 12:25
